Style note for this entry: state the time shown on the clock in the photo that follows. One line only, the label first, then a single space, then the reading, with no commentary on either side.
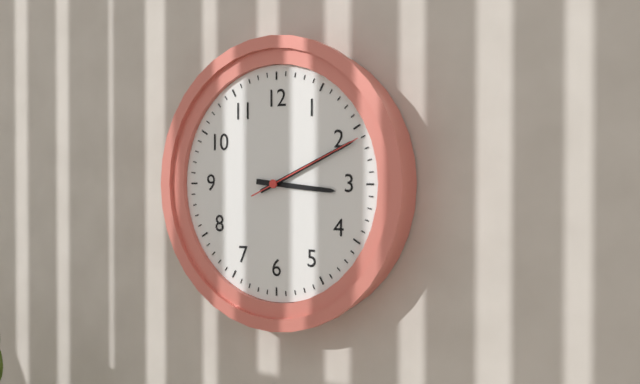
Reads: 3:11:11
